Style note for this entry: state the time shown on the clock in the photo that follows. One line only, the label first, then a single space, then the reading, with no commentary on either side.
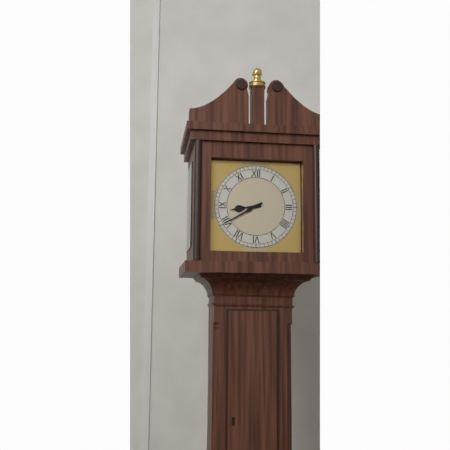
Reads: 8:40
